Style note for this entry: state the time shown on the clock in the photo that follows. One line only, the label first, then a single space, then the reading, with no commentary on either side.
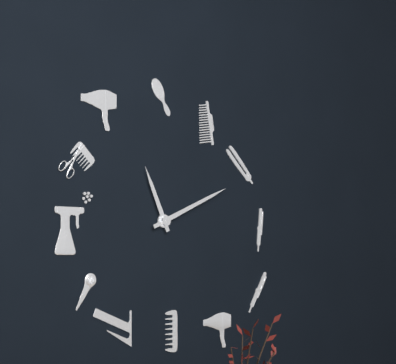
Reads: 11:11
